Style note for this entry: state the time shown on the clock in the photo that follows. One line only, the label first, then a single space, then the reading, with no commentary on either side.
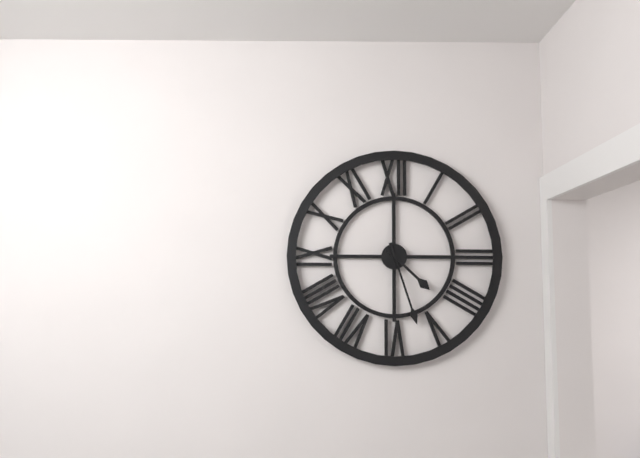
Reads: 4:27
